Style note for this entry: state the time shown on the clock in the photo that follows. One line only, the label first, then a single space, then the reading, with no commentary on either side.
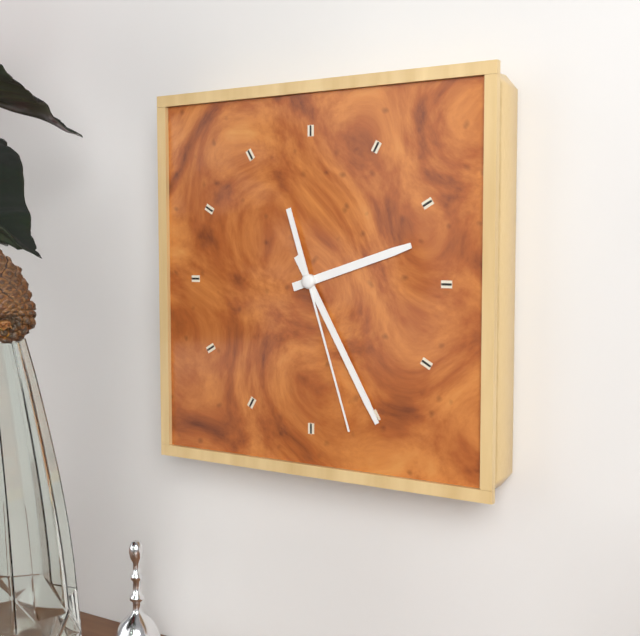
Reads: 2:25:27
